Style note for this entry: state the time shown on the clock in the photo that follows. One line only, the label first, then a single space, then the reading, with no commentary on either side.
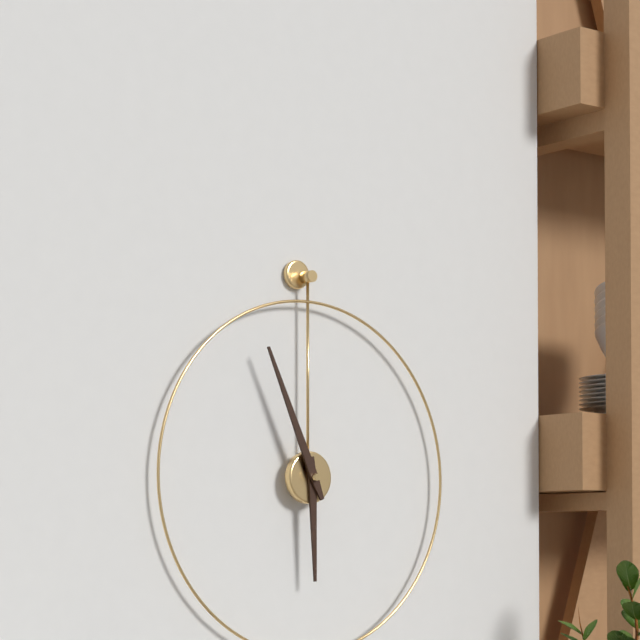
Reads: 5:56
